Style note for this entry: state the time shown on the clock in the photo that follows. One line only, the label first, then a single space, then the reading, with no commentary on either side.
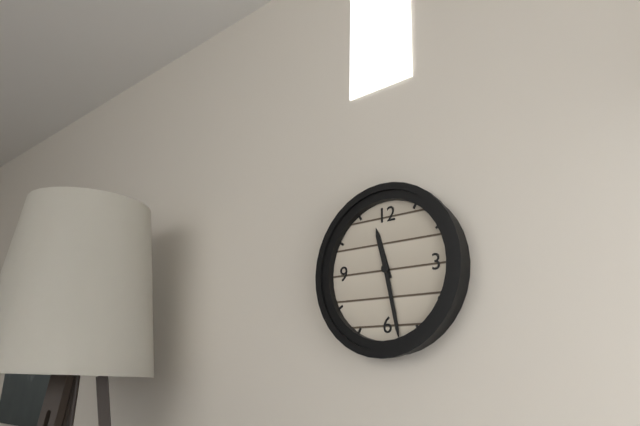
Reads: 11:28
